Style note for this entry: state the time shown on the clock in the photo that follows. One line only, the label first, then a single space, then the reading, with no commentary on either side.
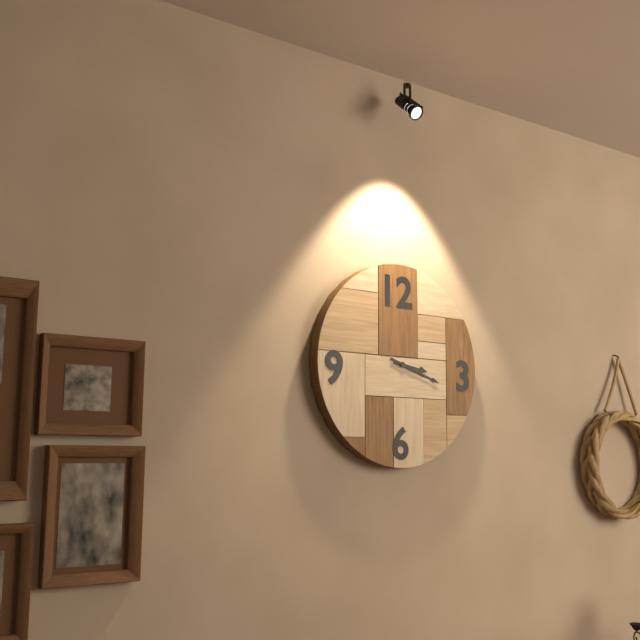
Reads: 3:18
